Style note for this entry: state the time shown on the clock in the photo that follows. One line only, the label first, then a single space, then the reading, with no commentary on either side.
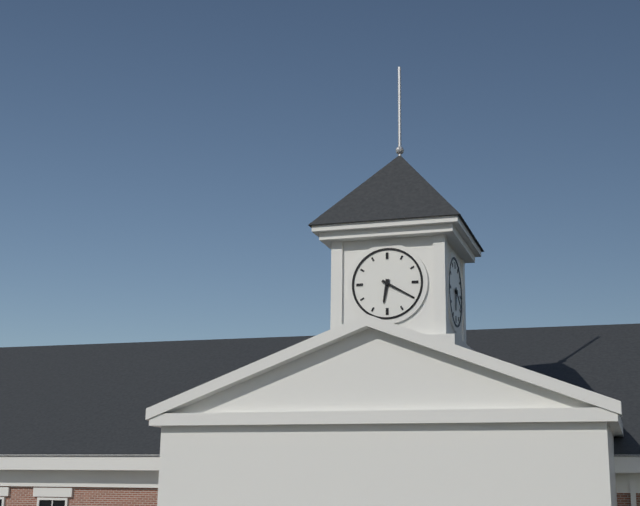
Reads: 6:20
